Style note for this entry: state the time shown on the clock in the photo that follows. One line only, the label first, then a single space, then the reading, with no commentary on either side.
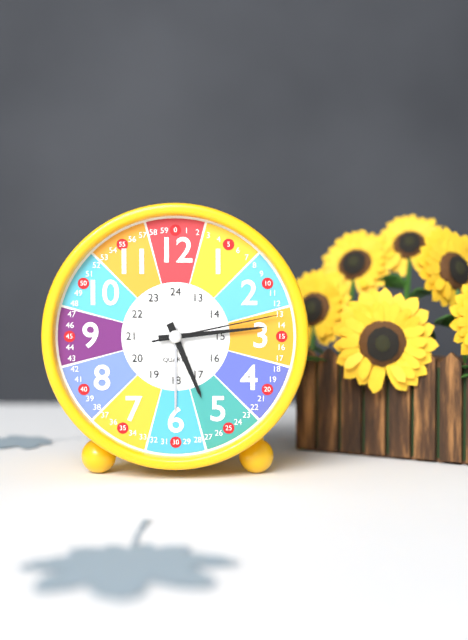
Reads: 5:14:13
